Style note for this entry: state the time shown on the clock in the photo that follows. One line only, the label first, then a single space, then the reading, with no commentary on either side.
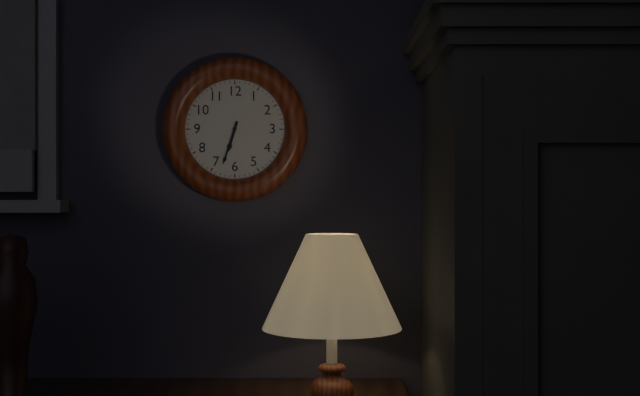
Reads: 6:33
